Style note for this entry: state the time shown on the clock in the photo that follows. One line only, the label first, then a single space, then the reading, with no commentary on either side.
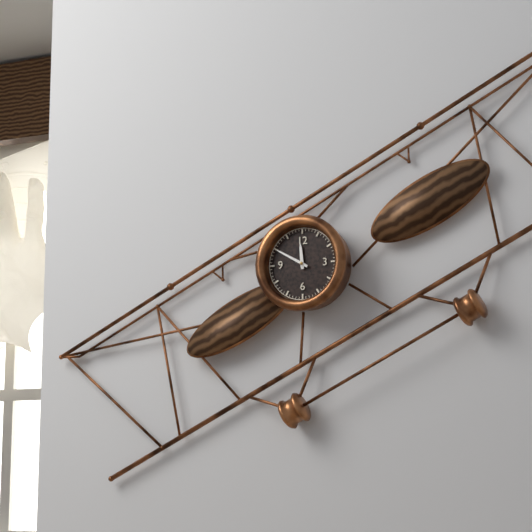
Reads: 11:50
